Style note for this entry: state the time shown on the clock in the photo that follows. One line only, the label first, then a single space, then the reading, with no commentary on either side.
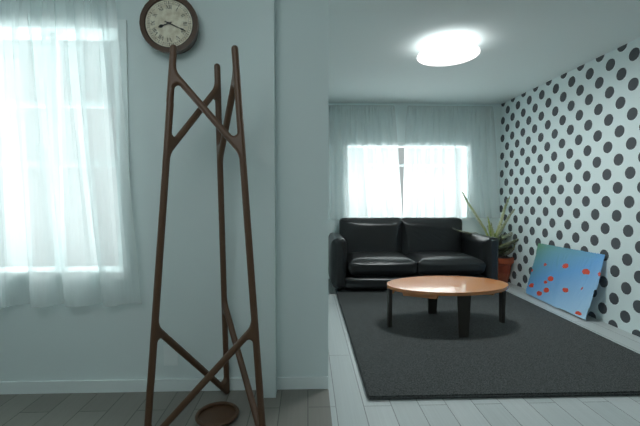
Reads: 8:19
